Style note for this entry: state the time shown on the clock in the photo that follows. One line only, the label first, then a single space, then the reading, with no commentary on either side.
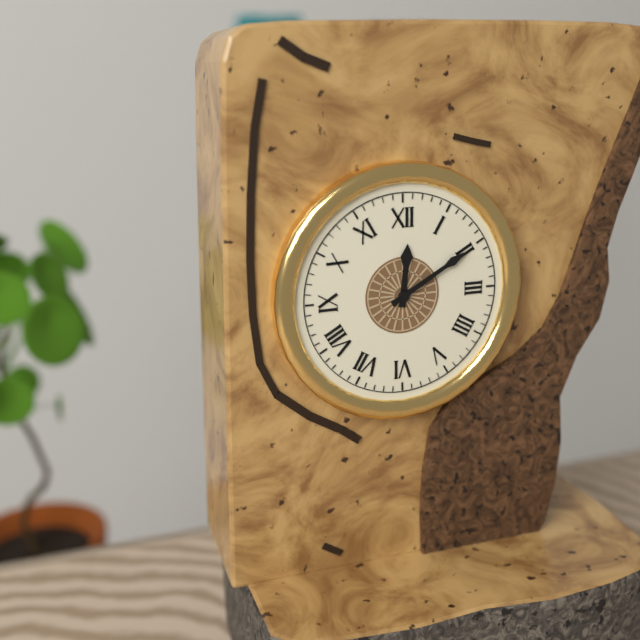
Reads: 12:10
